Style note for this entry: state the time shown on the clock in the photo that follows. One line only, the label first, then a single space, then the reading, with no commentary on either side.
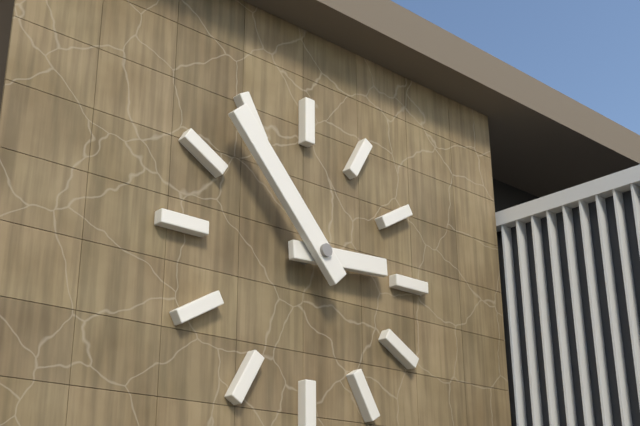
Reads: 2:53
